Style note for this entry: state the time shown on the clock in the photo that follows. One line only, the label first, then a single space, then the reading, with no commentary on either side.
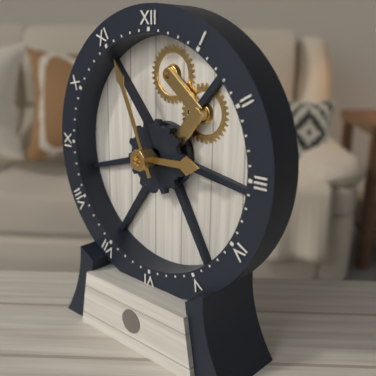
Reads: 2:56
